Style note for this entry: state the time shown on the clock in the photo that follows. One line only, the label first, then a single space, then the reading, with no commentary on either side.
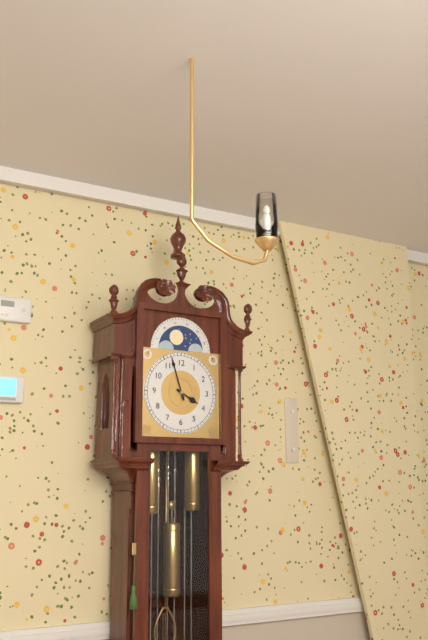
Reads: 3:57
